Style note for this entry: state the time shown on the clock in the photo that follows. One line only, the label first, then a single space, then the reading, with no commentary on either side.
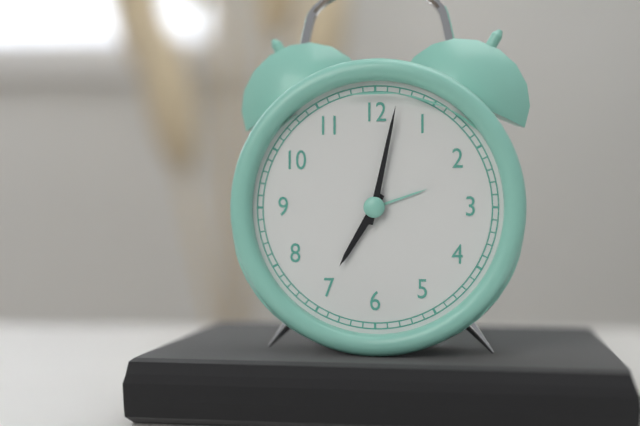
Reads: 7:02
